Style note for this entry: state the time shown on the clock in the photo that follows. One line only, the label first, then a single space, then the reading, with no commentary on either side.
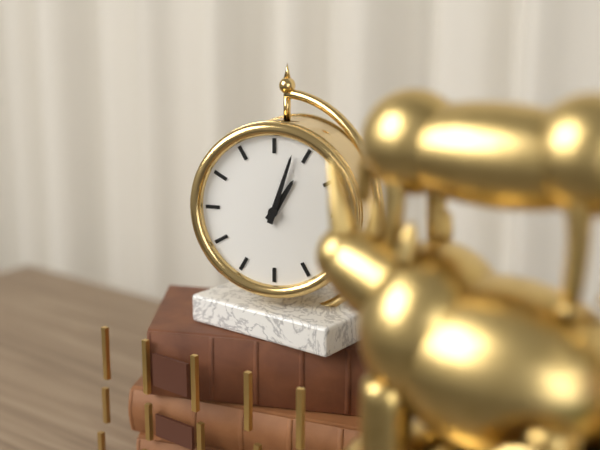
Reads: 1:03
